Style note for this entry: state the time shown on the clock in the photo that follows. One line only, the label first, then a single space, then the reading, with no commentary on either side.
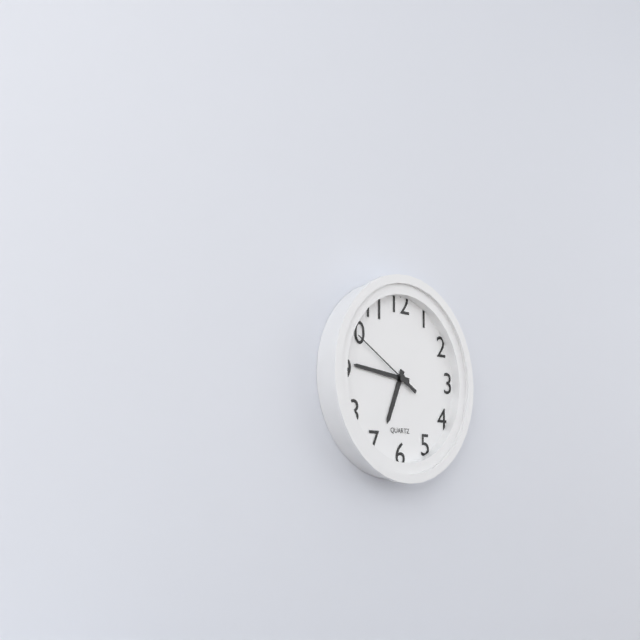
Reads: 6:46:50
